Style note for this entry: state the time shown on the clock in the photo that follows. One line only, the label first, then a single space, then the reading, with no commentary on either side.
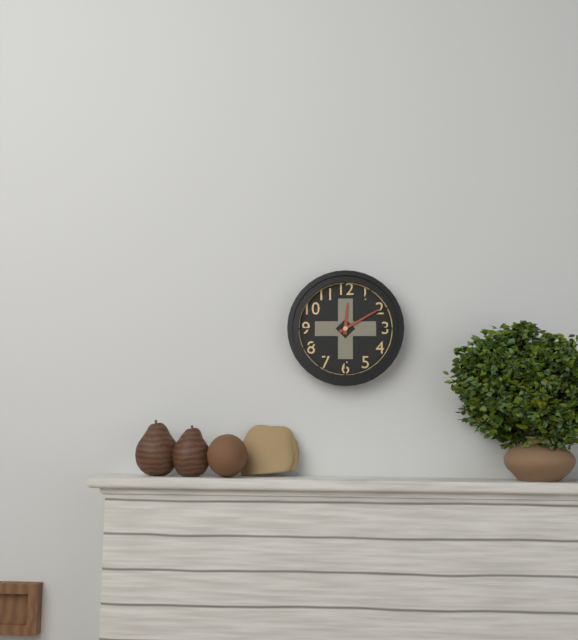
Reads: 12:10
